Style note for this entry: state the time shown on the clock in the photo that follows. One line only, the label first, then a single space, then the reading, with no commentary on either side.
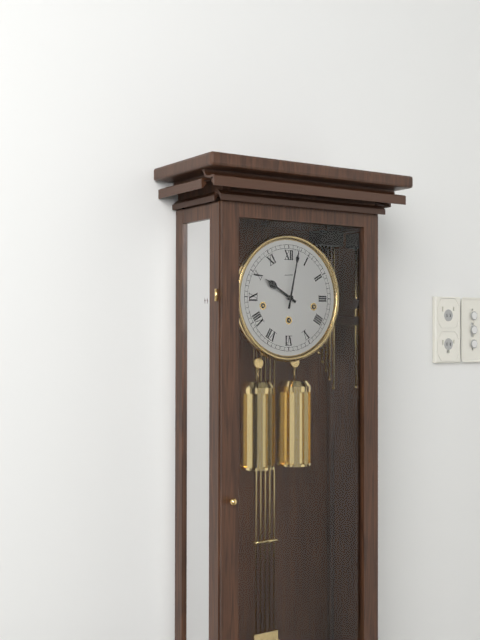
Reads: 10:02
